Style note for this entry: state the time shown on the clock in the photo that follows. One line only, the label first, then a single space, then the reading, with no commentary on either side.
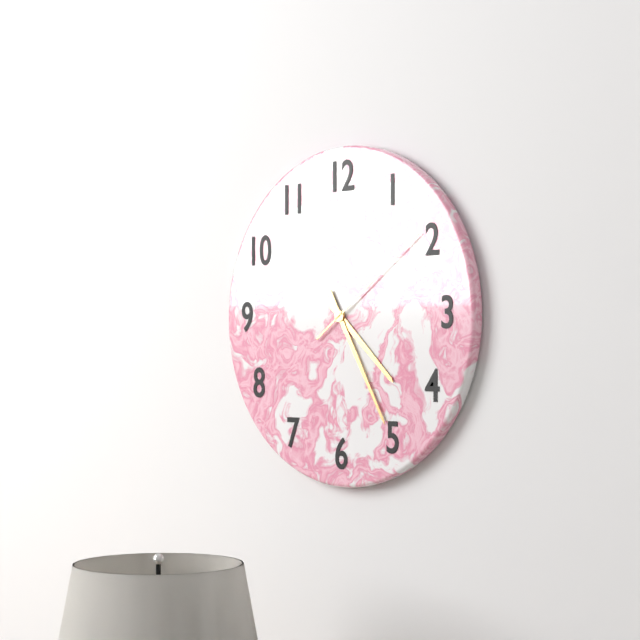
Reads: 4:25:09
